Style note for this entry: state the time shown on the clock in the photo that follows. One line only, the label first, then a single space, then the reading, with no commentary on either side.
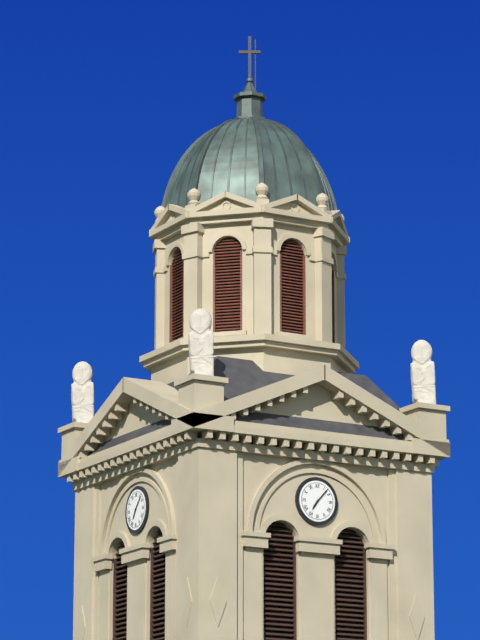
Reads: 7:07
